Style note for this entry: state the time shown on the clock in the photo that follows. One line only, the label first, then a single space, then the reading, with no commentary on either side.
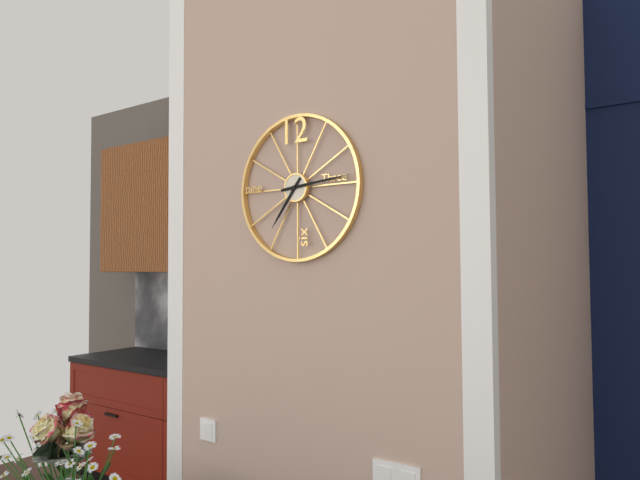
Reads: 7:14
